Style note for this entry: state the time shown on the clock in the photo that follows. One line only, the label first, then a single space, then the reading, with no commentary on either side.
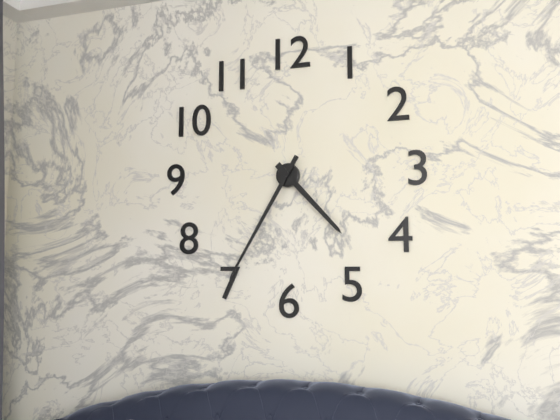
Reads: 4:35
